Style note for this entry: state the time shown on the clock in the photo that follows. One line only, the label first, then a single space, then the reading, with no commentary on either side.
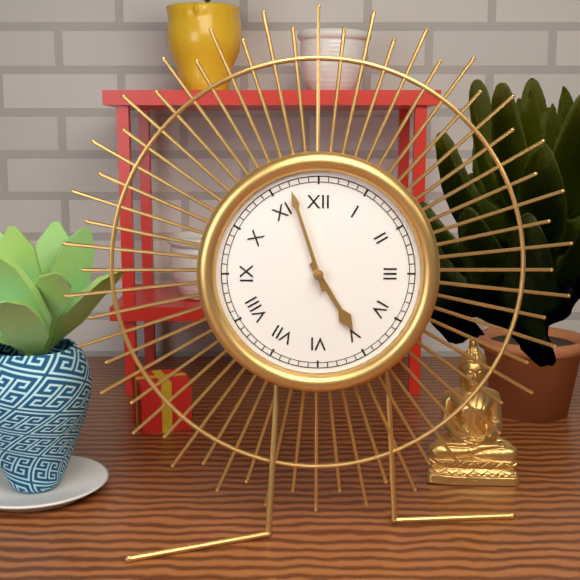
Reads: 4:57
